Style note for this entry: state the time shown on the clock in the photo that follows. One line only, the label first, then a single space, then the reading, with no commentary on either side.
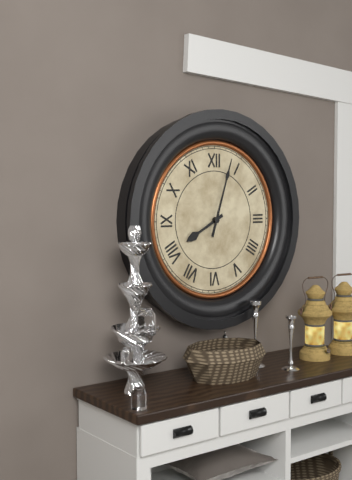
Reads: 8:03
